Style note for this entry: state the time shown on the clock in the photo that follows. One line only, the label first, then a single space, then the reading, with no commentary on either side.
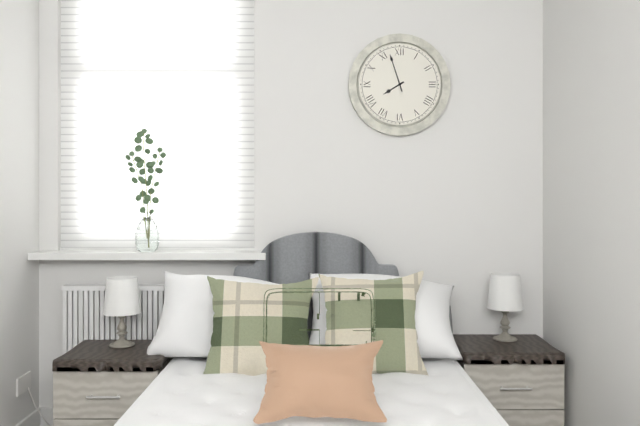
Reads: 7:57
